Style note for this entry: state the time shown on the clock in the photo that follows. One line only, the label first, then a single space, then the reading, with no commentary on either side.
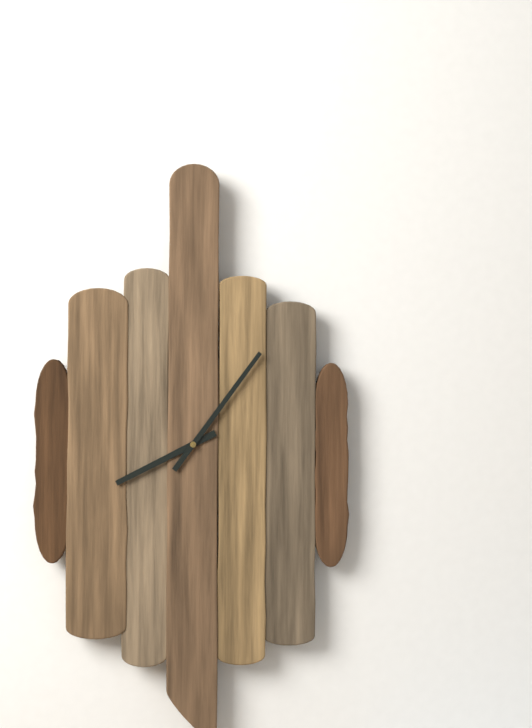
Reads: 8:06
